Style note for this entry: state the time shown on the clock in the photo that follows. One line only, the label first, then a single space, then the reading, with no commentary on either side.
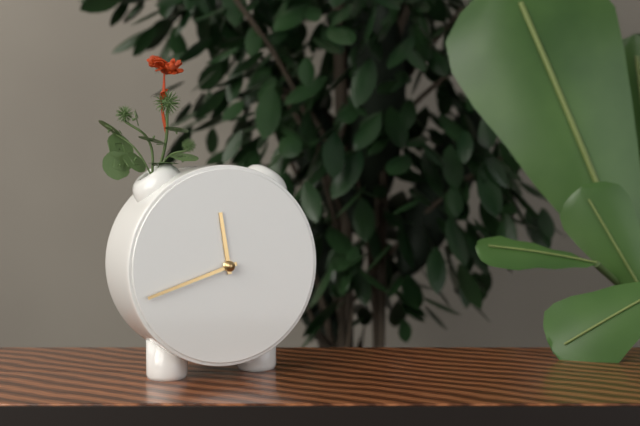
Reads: 11:42
